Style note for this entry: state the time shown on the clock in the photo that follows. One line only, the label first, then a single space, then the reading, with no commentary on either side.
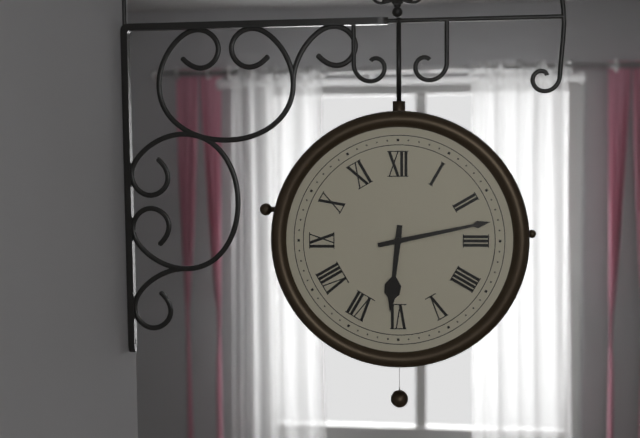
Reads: 6:13
